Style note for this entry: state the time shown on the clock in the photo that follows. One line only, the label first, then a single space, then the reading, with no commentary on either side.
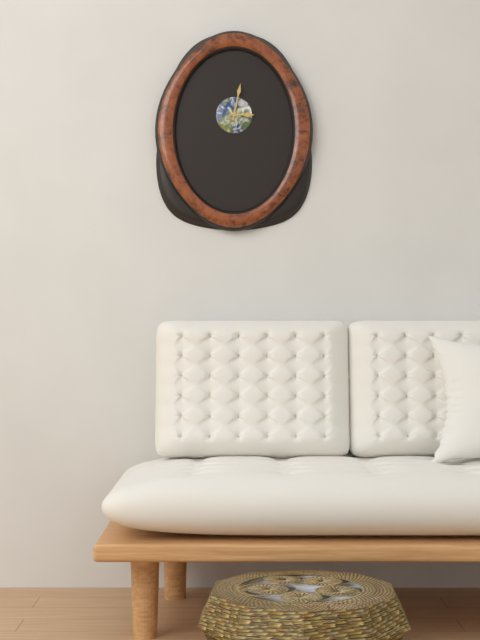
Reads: 3:02
